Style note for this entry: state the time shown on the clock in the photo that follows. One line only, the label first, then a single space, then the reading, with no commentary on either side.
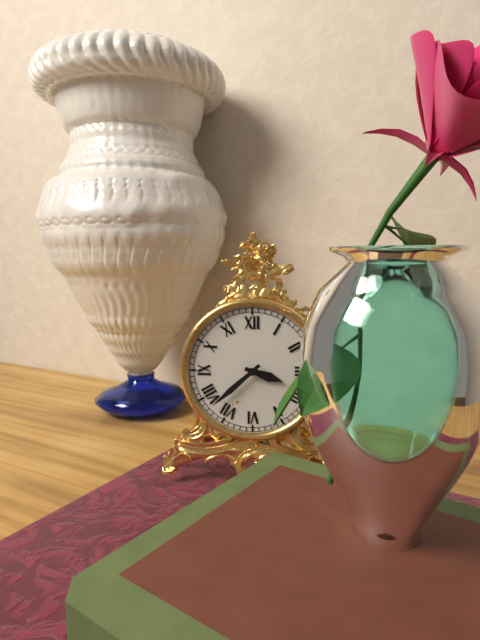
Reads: 3:38
